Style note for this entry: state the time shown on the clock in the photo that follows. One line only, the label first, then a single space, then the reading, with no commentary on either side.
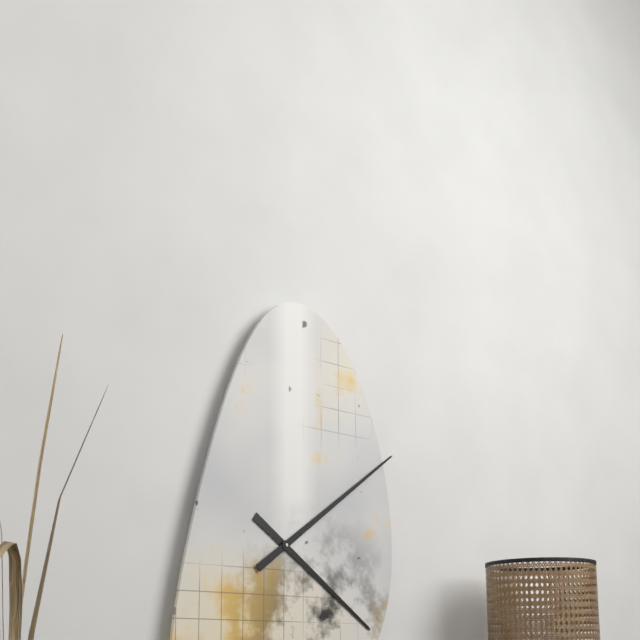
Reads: 4:09
